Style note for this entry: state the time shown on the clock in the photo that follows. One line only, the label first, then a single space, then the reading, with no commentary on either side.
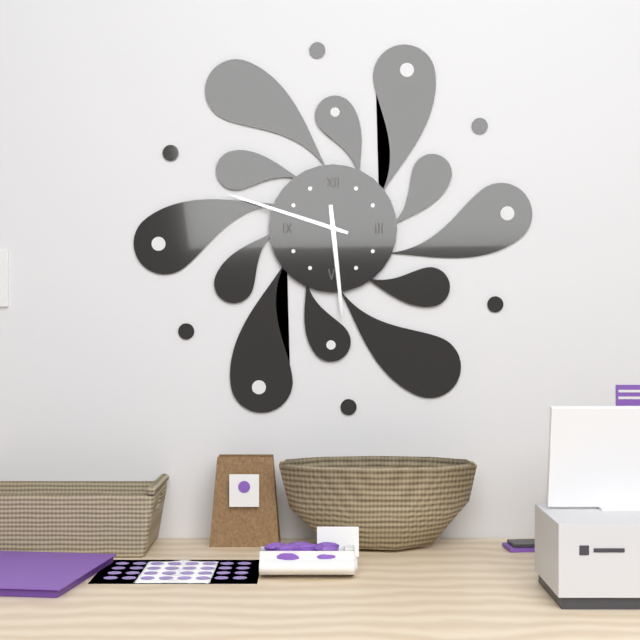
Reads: 5:48
